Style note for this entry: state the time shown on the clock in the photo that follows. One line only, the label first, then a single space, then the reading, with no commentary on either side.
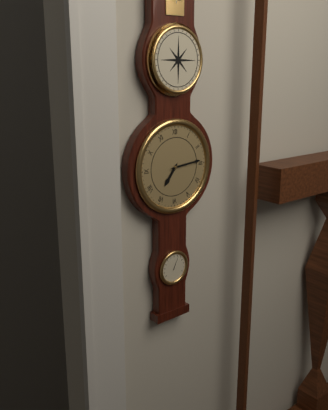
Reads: 7:14
